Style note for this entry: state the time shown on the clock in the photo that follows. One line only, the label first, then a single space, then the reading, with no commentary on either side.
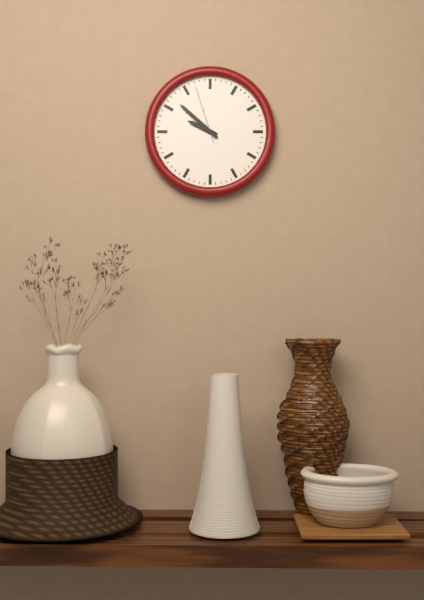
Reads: 9:52:57
